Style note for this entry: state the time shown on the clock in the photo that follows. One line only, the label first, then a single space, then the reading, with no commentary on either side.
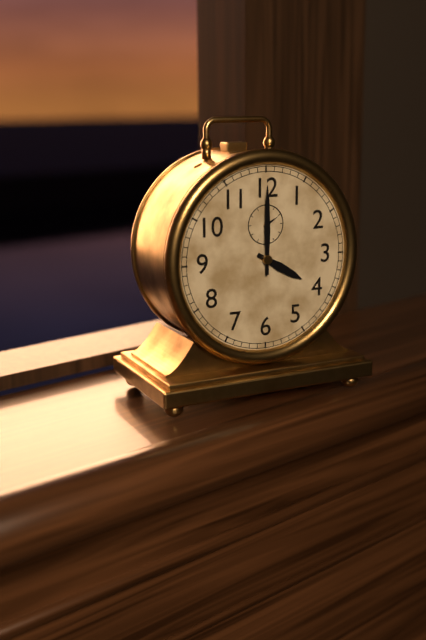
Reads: 4:00
